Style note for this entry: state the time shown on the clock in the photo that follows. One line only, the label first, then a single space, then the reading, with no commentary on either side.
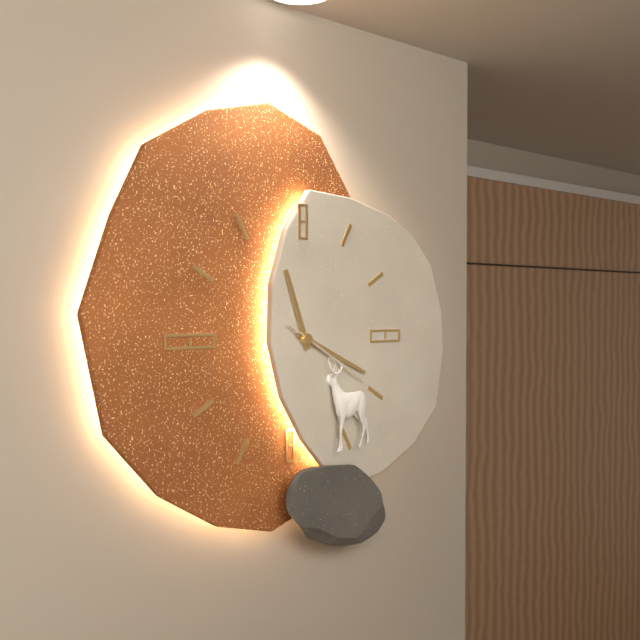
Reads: 11:19:20
